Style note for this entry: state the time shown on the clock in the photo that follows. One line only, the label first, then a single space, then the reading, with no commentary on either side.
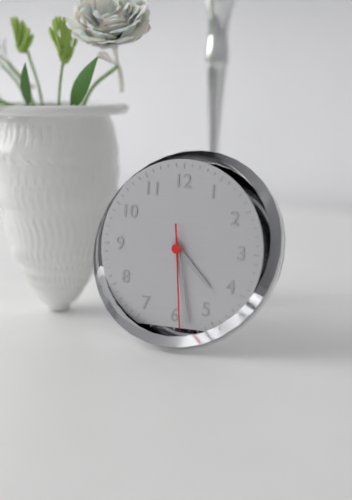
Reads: 4:28:29
